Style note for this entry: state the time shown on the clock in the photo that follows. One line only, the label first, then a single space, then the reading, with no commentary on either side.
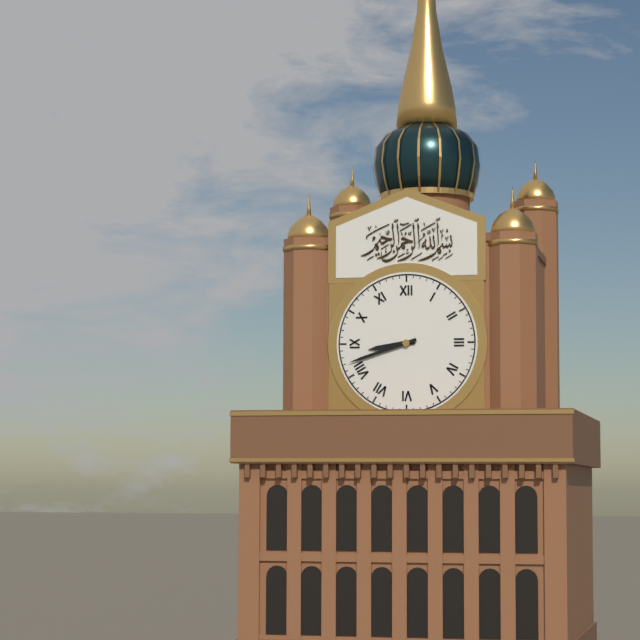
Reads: 8:42
